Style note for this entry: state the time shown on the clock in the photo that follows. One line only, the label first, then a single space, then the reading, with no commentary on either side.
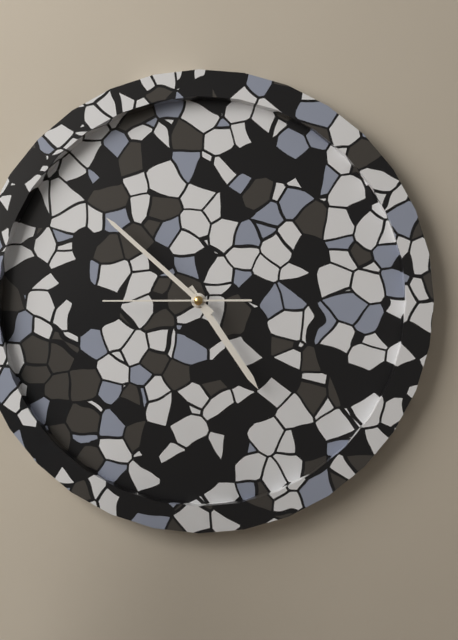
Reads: 4:52:45
